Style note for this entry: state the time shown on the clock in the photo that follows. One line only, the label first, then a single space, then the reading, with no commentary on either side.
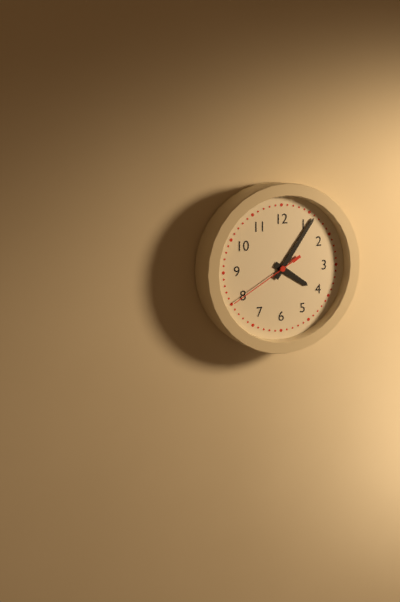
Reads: 4:06:40
